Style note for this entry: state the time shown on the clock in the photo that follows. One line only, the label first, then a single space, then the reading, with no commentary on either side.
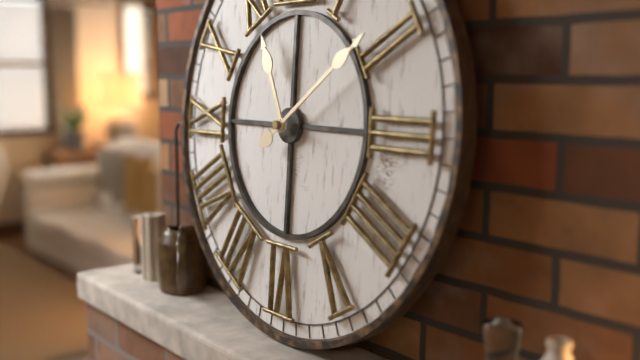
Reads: 11:09
